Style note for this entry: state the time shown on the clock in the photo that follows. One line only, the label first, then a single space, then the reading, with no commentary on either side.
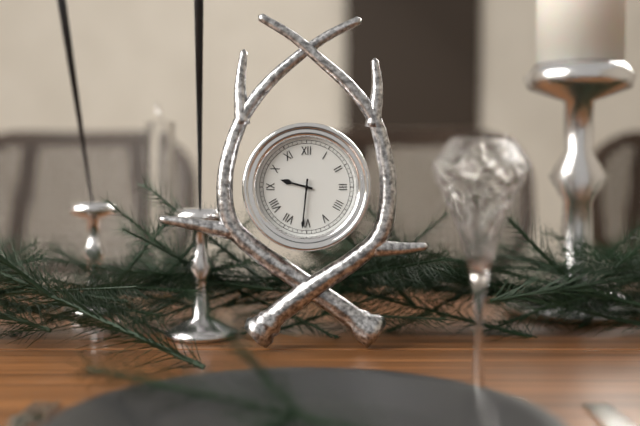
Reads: 9:31
